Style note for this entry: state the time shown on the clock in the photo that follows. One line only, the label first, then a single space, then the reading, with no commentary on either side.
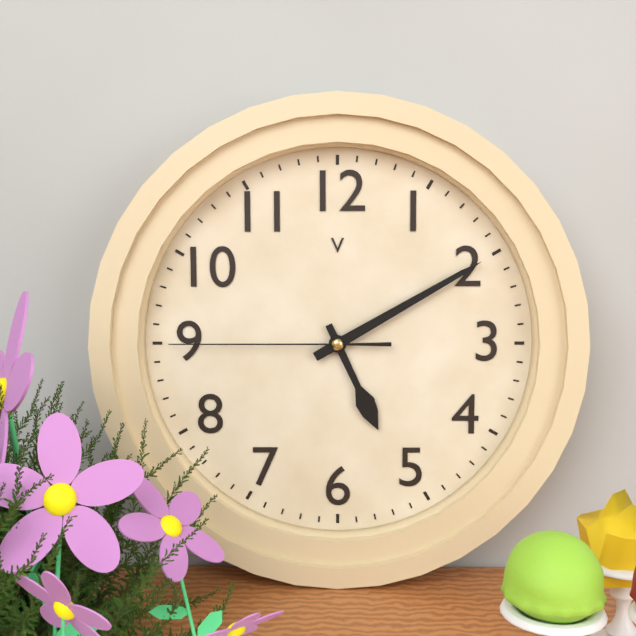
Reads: 5:10:45
